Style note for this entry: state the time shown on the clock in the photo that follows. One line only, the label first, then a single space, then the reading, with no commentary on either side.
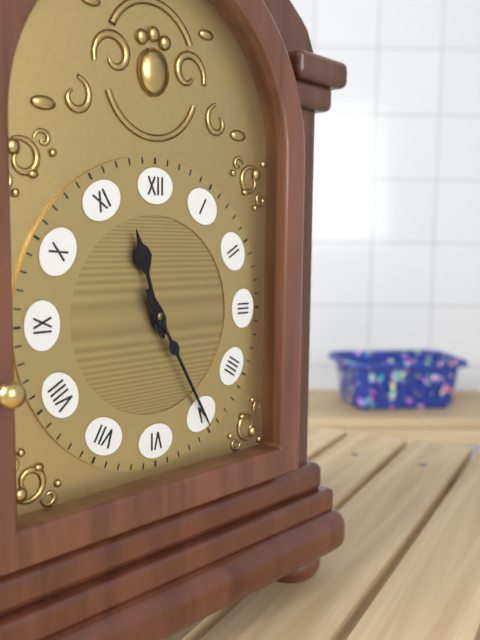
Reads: 11:25
